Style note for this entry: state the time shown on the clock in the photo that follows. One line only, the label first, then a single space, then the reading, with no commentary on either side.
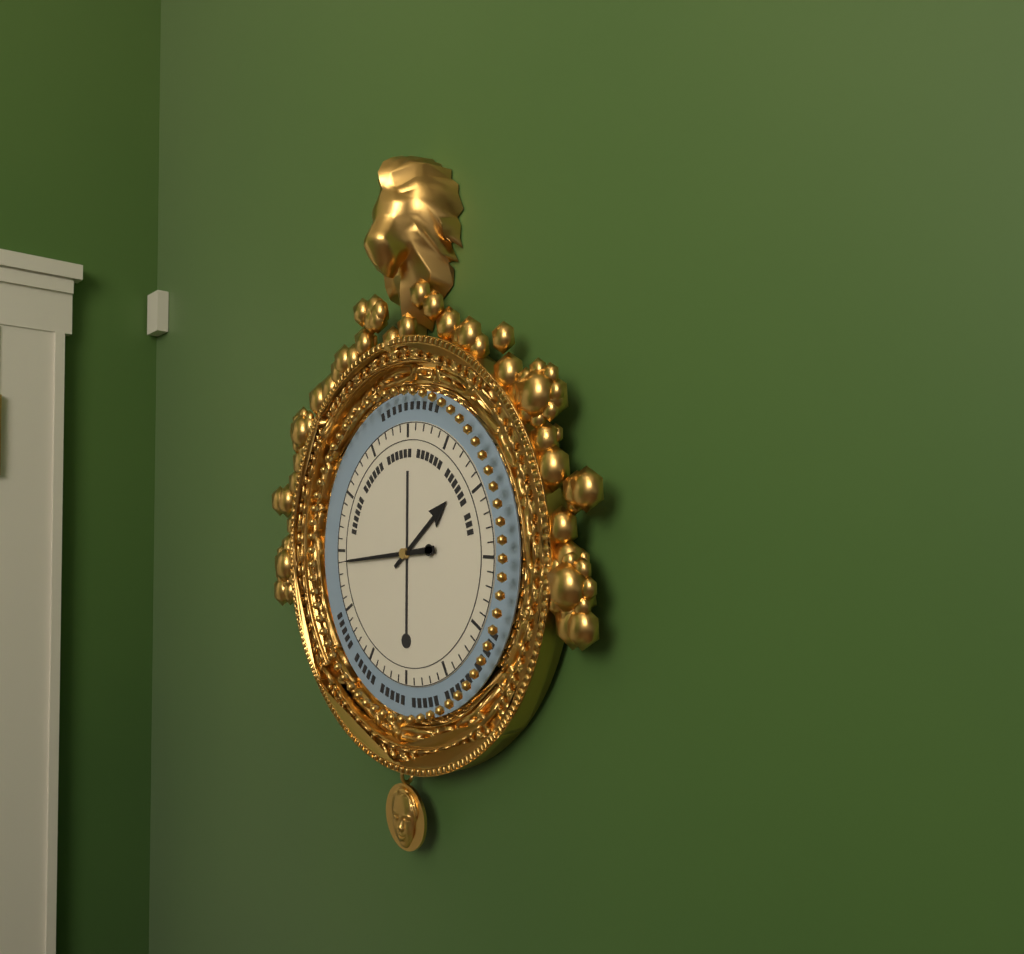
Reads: 1:44
